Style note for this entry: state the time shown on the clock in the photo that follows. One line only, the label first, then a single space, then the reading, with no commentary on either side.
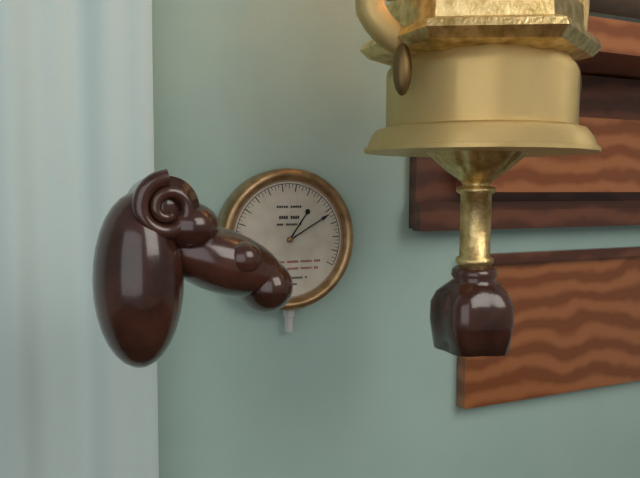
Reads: 1:10
